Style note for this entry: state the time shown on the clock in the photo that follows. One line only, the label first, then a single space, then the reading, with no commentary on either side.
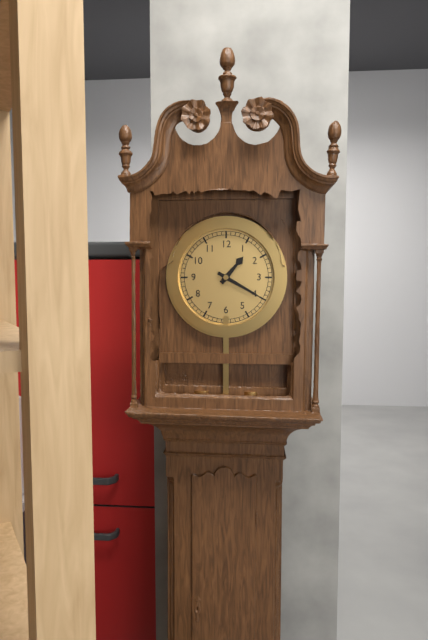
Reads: 1:20
